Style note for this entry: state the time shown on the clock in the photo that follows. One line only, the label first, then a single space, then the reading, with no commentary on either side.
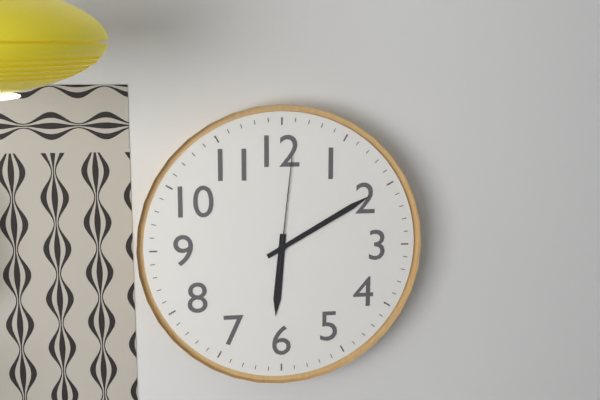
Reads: 6:10:01
